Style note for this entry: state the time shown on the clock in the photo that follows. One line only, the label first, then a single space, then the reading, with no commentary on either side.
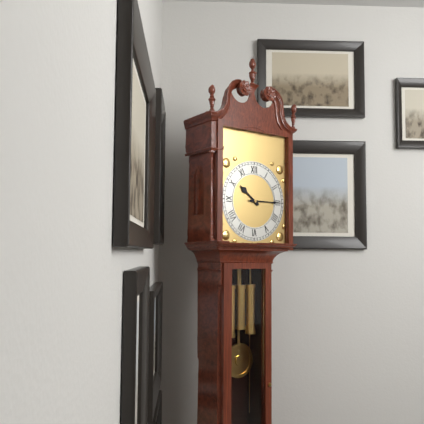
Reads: 10:15
